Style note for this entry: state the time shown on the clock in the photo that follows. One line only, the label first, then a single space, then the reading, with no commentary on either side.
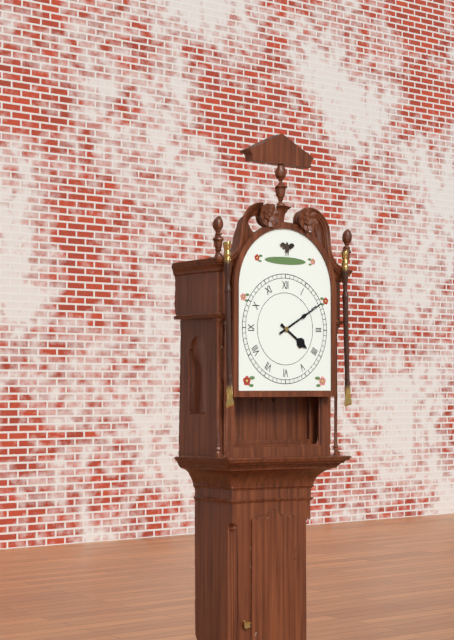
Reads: 4:10
